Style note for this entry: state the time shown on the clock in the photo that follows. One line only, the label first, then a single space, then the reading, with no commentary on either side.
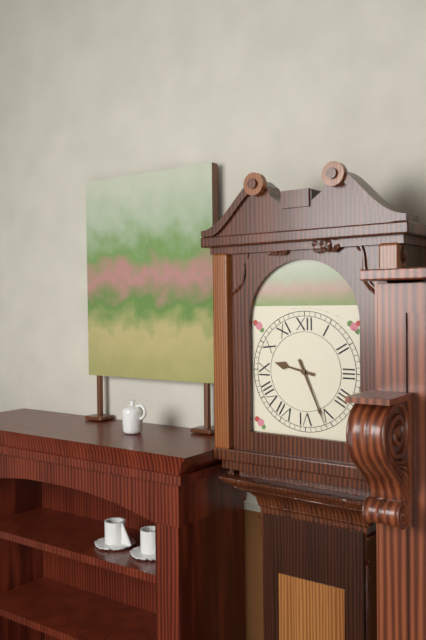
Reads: 9:26
